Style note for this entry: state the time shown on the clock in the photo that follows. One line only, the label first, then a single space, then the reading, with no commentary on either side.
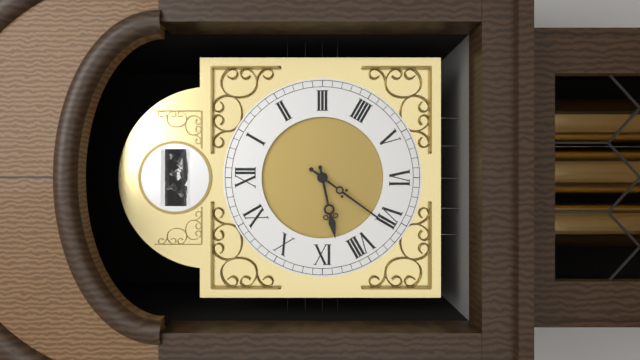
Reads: 8:36
